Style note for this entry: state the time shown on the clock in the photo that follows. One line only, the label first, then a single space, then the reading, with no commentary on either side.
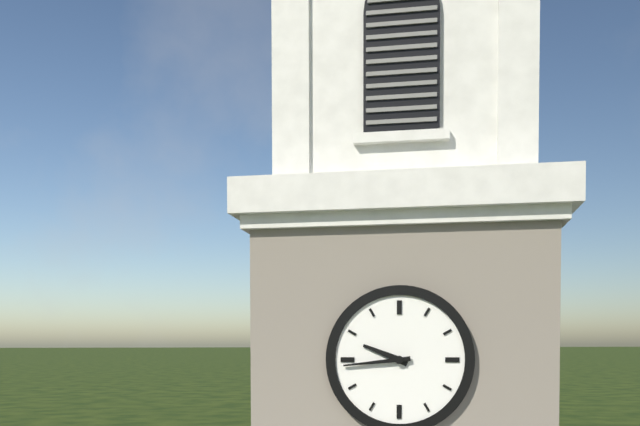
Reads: 9:44
